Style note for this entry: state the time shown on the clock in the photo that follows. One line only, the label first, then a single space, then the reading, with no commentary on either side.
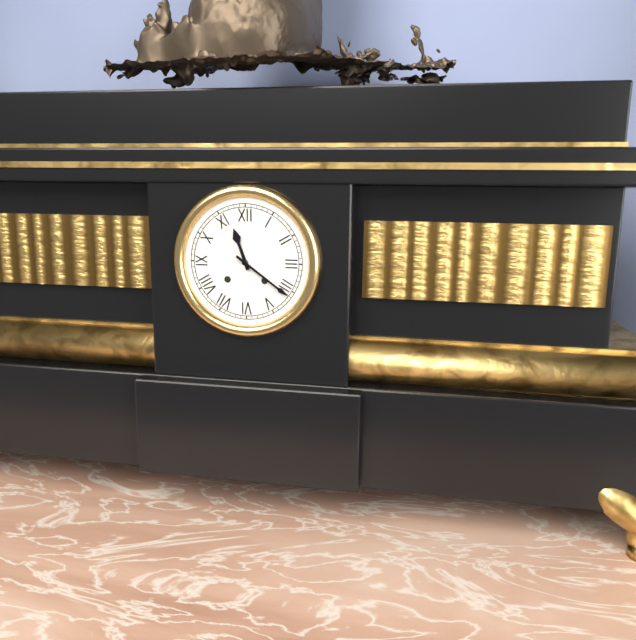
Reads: 11:21
